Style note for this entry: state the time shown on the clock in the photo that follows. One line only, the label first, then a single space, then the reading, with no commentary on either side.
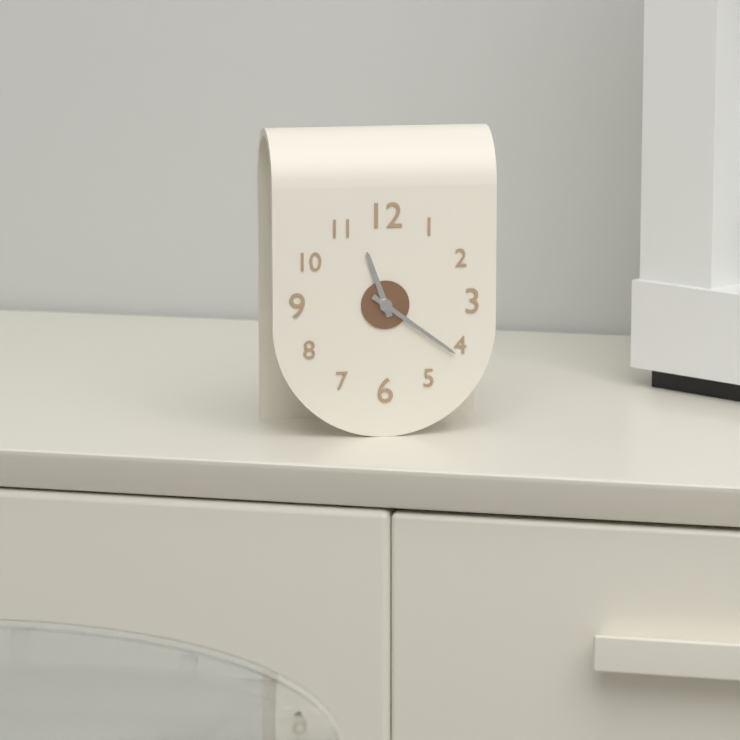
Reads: 11:21
